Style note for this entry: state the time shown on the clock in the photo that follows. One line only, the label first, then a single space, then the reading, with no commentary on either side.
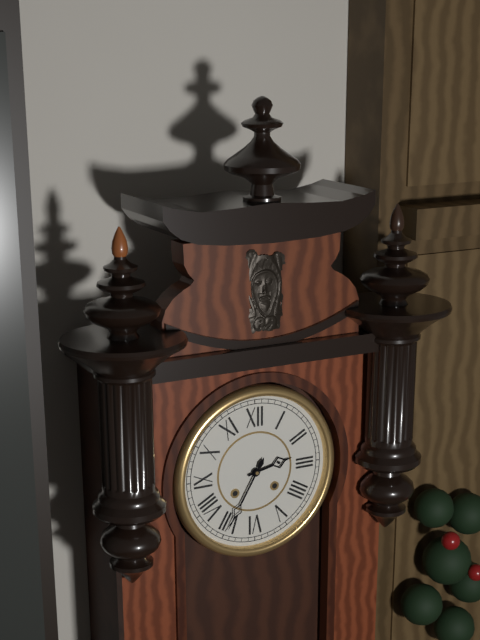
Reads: 2:35
